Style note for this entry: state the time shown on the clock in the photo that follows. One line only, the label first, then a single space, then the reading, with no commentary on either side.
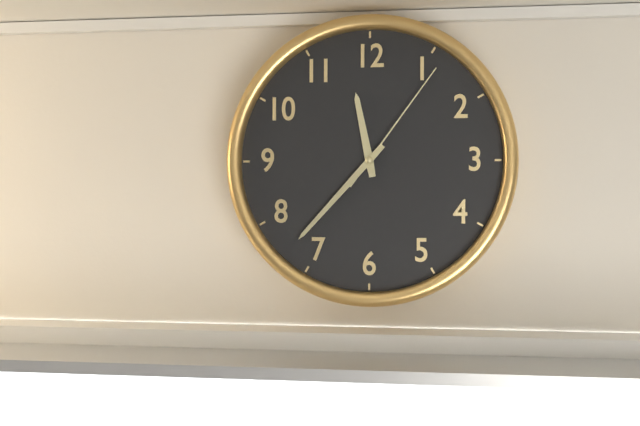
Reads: 11:37:06
